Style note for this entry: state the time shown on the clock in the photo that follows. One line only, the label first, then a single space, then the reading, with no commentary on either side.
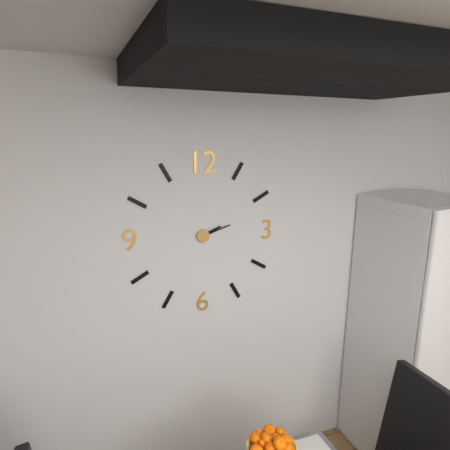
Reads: 2:12
